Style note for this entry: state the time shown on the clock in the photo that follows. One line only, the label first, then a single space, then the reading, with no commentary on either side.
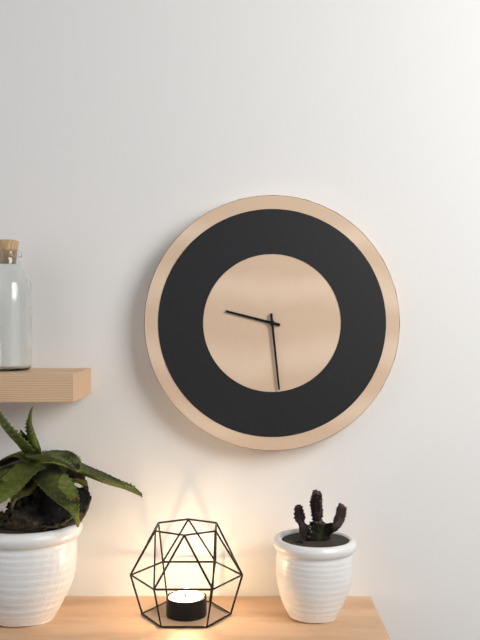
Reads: 9:29
